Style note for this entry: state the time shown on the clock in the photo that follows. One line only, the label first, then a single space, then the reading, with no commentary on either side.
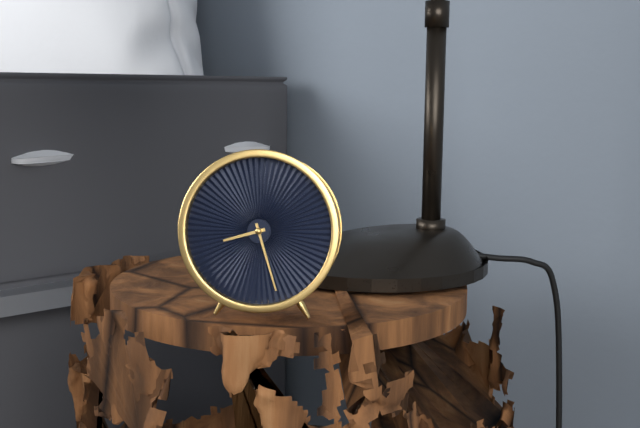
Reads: 8:27
